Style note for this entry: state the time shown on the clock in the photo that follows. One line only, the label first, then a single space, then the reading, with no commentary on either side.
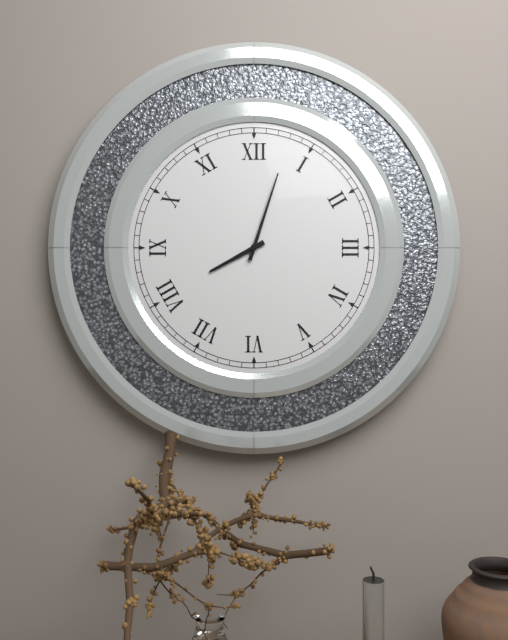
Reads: 8:03
